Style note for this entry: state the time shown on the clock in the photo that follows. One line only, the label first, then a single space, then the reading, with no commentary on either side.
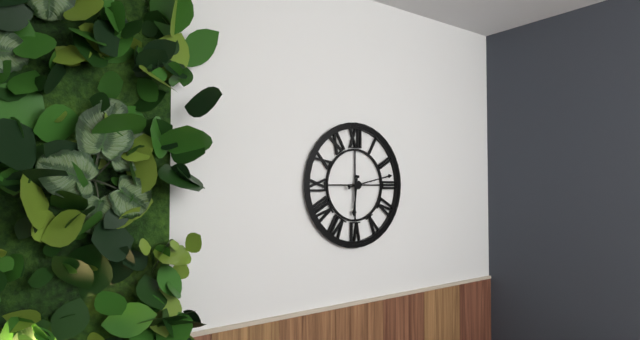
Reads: 6:13
